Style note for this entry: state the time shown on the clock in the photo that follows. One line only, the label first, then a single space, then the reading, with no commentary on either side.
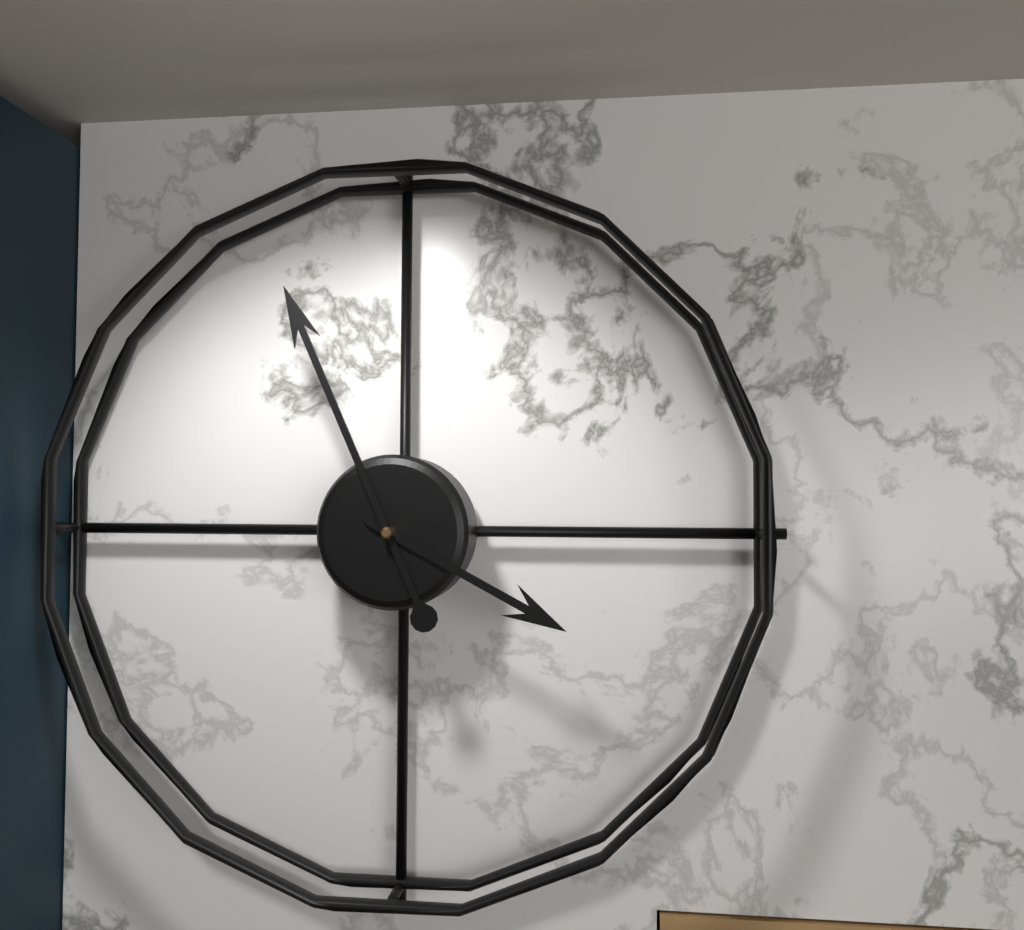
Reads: 3:56
